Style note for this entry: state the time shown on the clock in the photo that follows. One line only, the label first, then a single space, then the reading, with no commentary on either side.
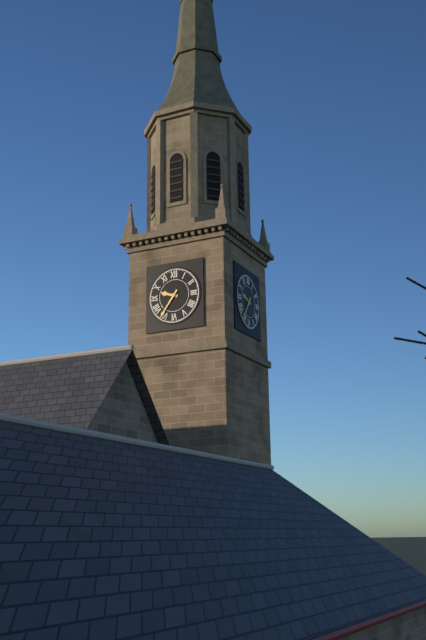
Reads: 9:36
